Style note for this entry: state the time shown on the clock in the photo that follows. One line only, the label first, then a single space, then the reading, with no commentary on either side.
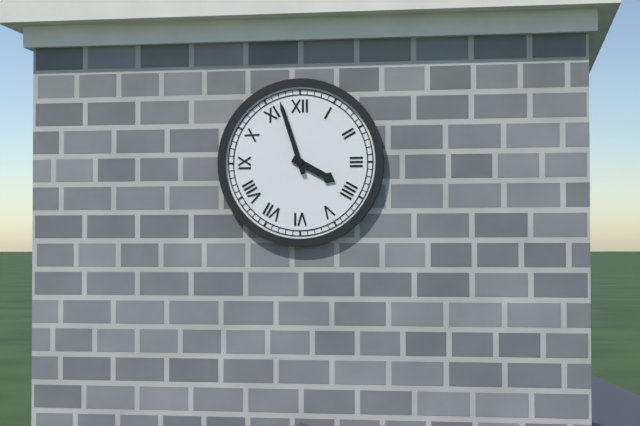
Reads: 3:57
